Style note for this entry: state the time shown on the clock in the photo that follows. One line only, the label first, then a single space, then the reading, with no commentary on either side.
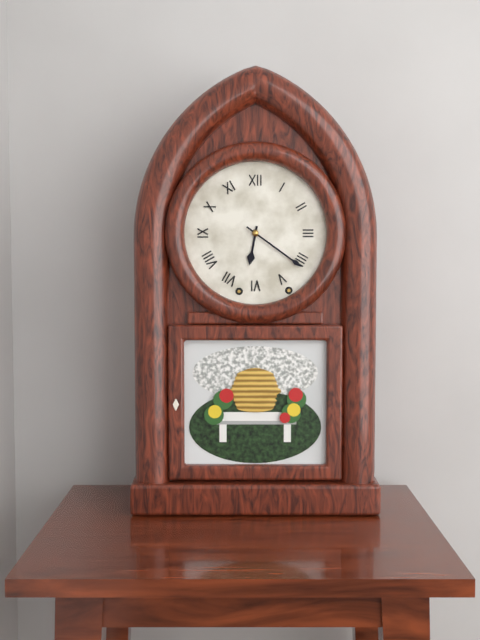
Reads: 6:21
